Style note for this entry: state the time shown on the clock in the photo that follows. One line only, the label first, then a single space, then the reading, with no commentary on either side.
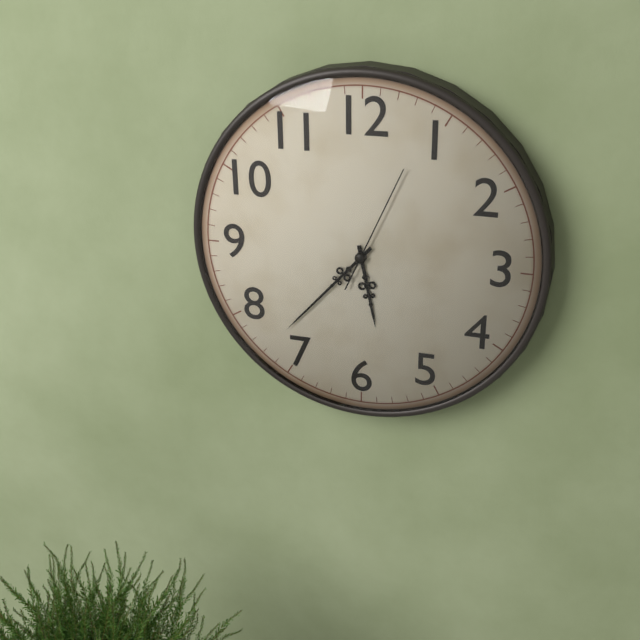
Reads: 5:37:04
